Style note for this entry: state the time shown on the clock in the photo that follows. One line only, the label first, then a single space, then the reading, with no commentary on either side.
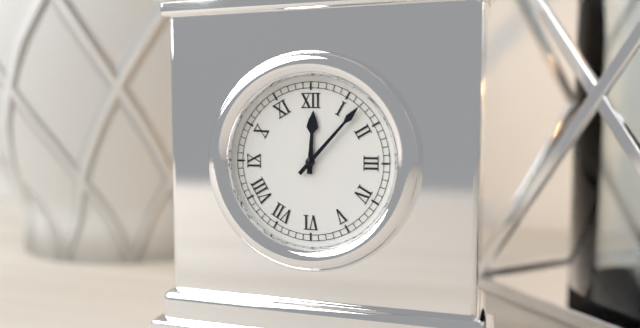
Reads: 12:07
